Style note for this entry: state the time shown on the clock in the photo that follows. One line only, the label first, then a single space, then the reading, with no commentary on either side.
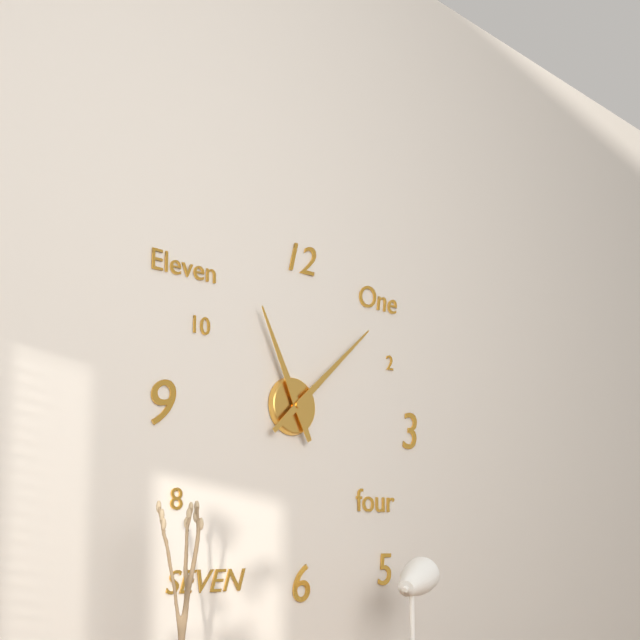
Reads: 11:08
